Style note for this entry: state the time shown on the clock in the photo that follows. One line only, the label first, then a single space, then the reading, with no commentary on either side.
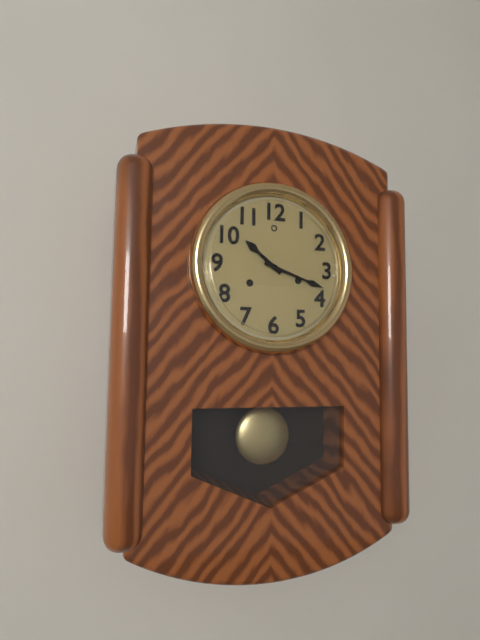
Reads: 10:18
